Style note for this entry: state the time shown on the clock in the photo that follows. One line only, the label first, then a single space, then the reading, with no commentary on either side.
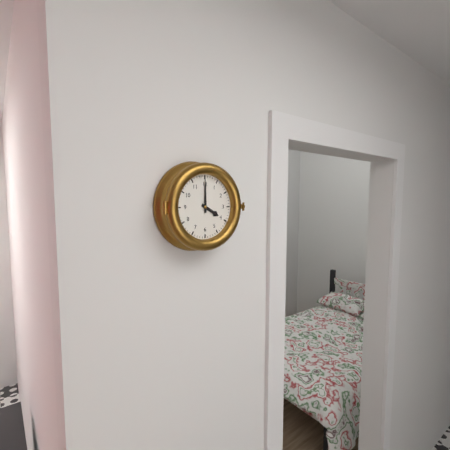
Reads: 4:00
